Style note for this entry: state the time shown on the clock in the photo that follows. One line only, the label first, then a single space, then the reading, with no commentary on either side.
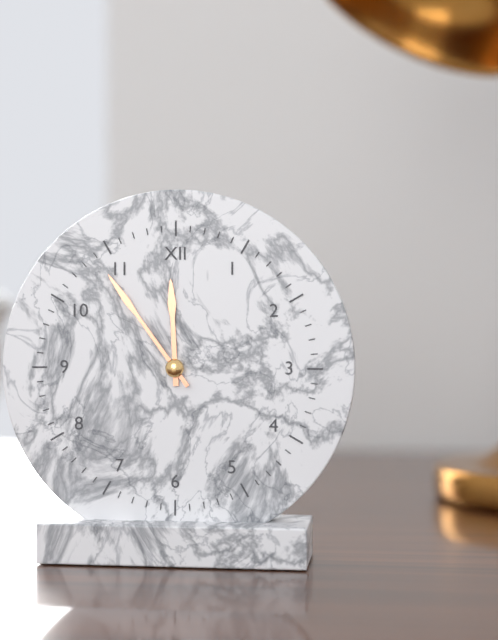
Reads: 11:54
